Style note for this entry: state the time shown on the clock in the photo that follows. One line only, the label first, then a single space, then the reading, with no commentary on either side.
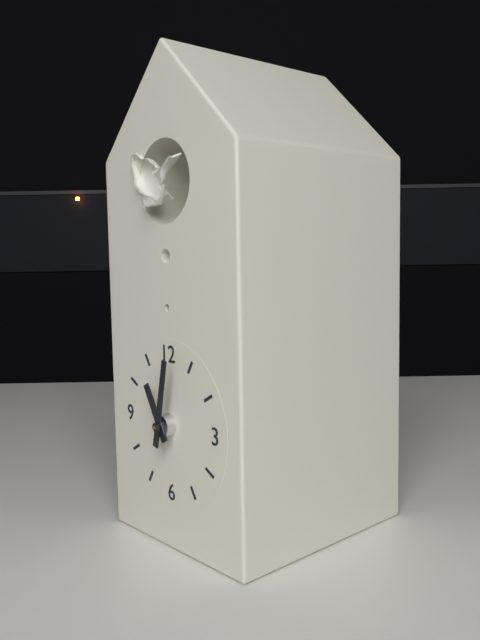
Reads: 11:02
